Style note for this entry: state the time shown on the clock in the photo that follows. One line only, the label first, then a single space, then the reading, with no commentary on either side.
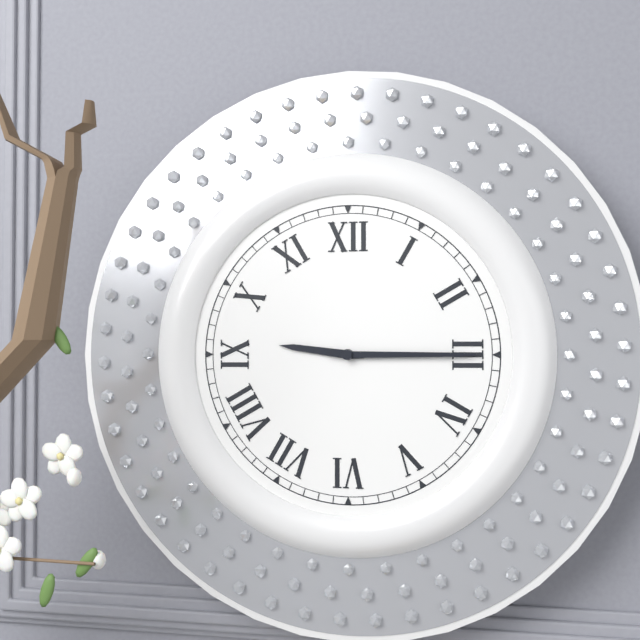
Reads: 9:15
